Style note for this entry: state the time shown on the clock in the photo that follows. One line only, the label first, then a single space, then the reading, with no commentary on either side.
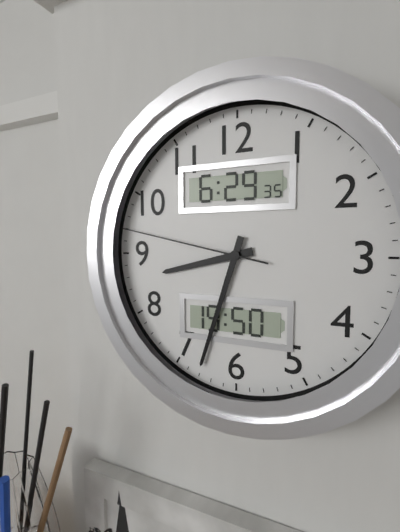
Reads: 8:33:47
